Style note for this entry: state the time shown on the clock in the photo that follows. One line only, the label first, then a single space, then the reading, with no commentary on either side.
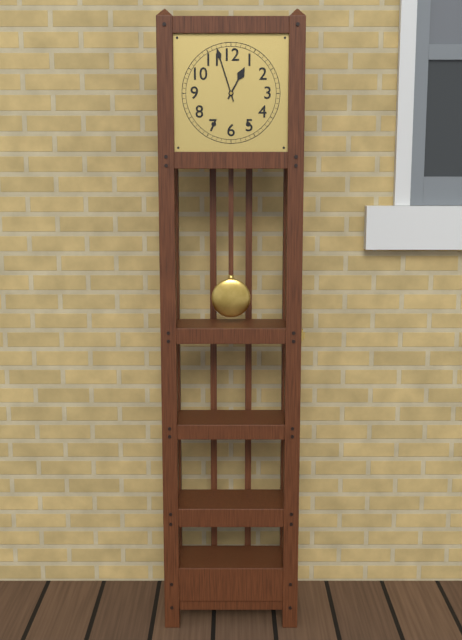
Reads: 12:57
